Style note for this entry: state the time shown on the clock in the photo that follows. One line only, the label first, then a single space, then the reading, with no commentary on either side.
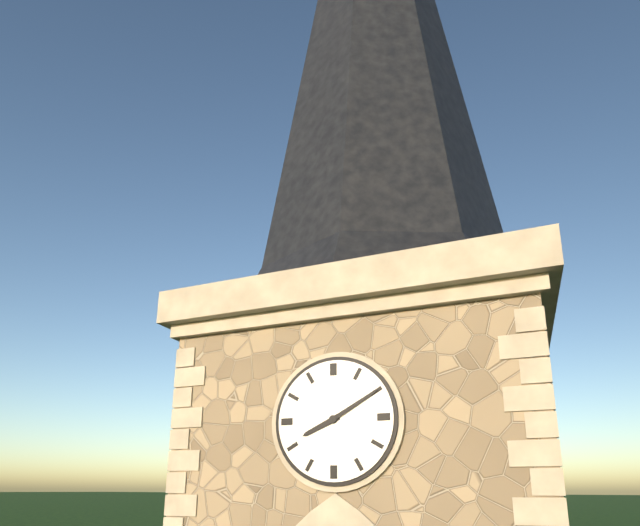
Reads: 8:10
